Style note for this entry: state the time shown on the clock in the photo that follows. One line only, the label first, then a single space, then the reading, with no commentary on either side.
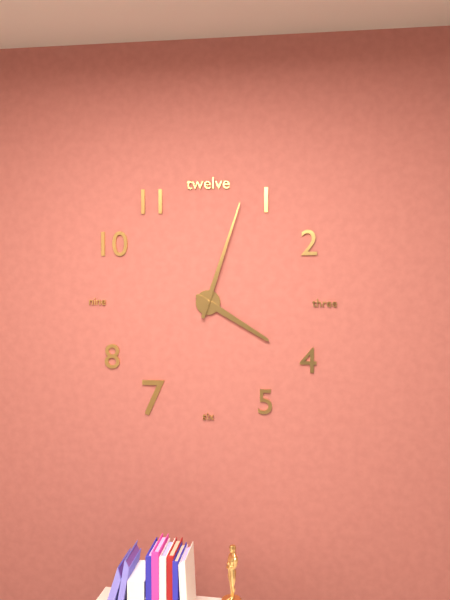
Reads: 4:03
